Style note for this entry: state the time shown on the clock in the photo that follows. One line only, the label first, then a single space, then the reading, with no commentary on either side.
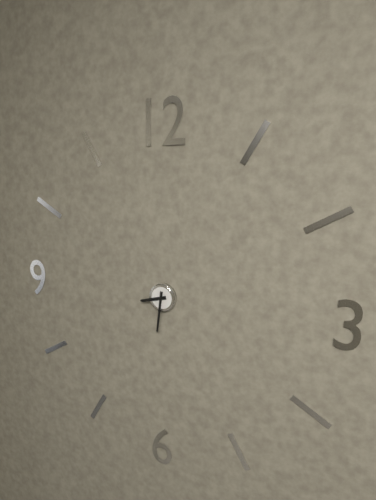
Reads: 8:31
